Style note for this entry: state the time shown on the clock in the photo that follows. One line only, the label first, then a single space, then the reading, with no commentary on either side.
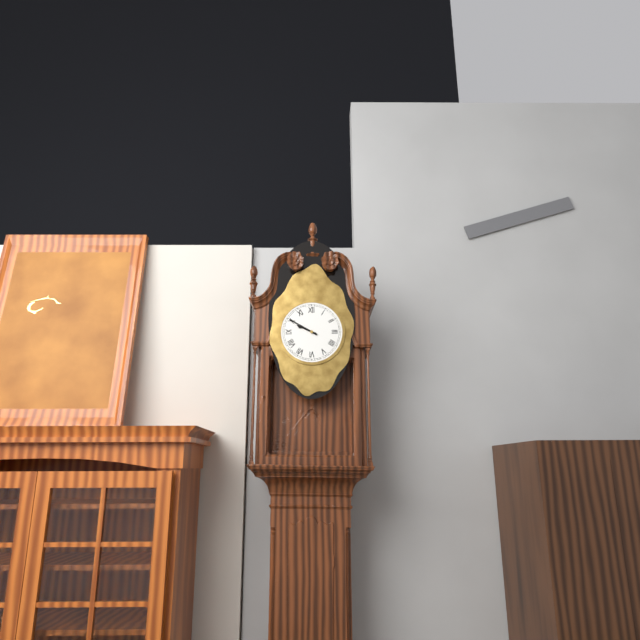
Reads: 9:50
